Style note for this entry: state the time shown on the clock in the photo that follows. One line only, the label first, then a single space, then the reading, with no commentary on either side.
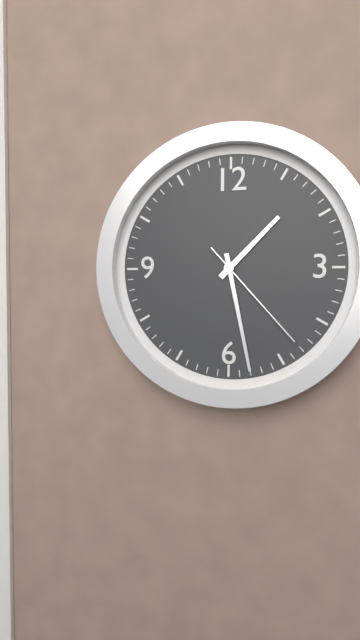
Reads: 1:28:23
